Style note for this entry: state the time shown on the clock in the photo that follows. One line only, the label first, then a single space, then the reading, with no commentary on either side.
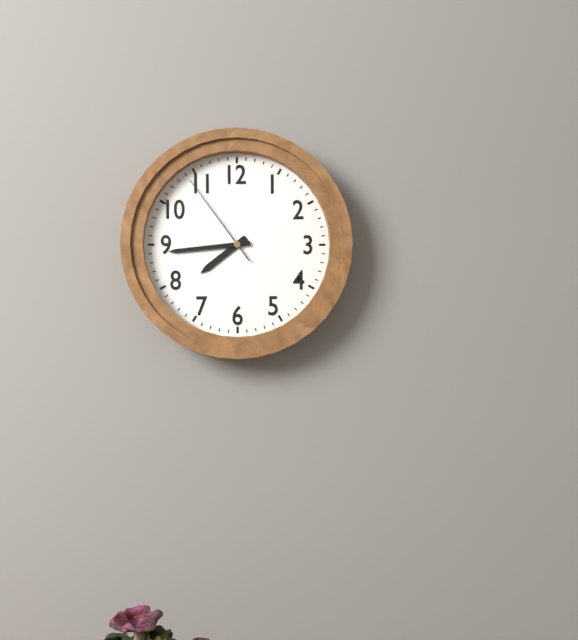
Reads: 7:44:54
